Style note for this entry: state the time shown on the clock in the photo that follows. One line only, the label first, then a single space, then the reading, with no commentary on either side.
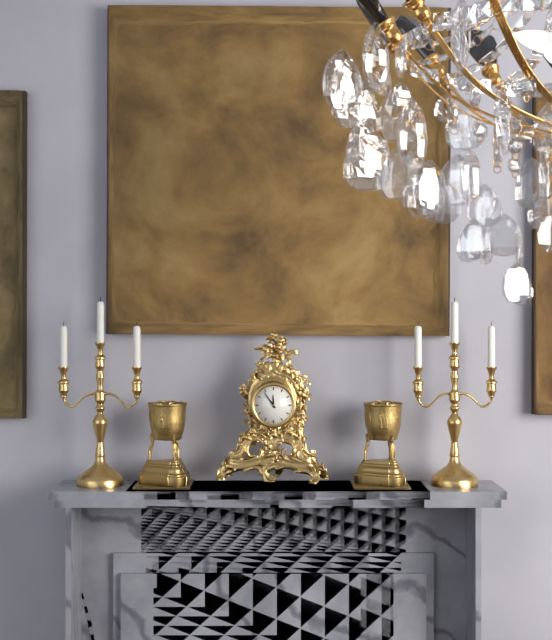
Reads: 11:54
